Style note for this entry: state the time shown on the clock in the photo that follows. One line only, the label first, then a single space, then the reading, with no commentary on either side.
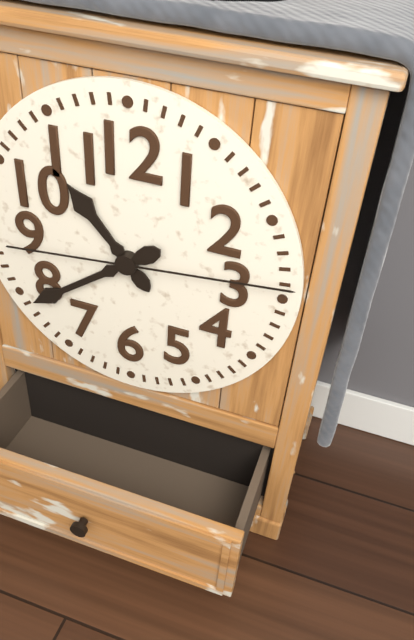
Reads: 10:39:14
